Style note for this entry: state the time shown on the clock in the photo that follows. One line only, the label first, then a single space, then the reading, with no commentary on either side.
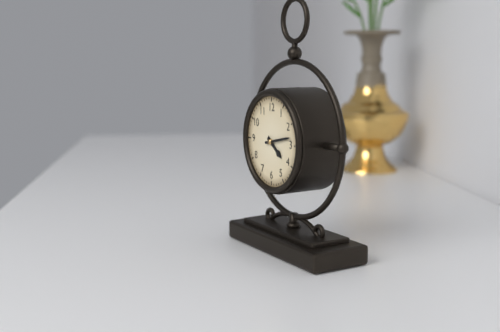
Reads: 4:13
